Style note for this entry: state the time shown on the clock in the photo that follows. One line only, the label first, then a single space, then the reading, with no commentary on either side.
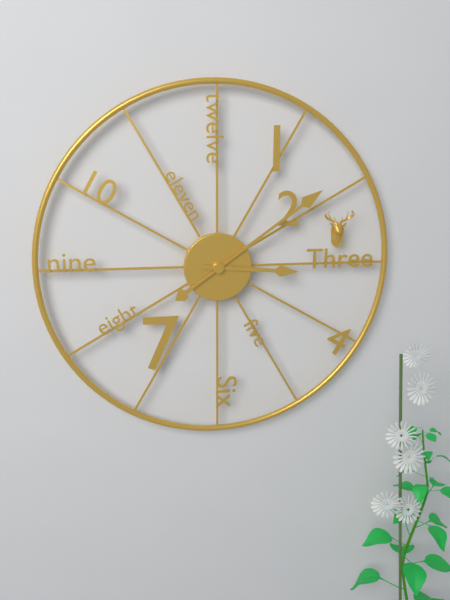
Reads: 3:09
